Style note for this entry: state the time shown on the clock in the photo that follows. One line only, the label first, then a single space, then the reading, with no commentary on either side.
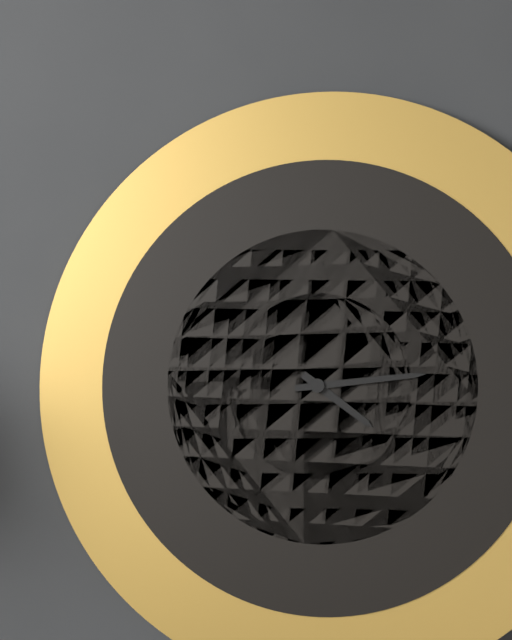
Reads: 4:14
